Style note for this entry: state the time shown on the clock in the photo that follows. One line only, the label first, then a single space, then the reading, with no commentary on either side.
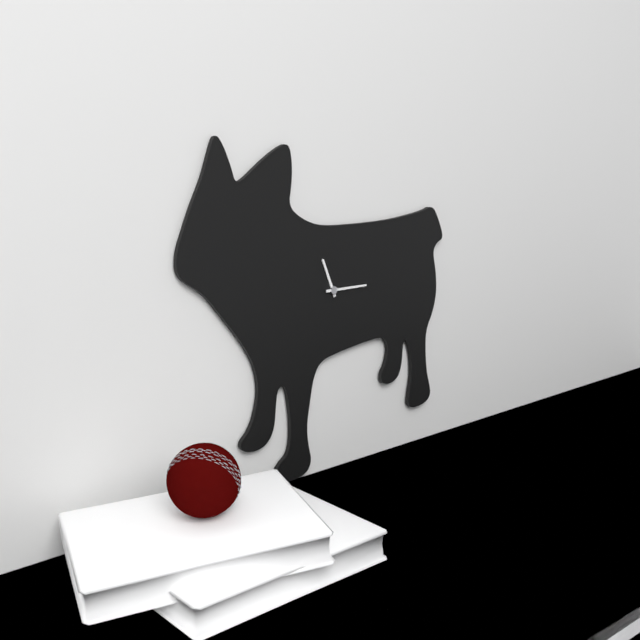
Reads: 11:15
